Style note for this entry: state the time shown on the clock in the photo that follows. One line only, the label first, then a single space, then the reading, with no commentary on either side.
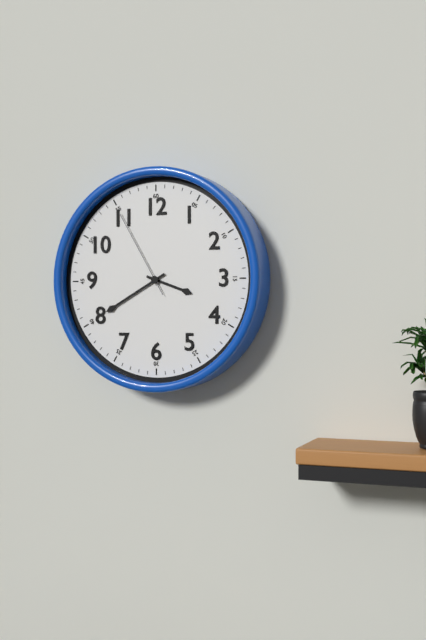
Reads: 3:40:55
